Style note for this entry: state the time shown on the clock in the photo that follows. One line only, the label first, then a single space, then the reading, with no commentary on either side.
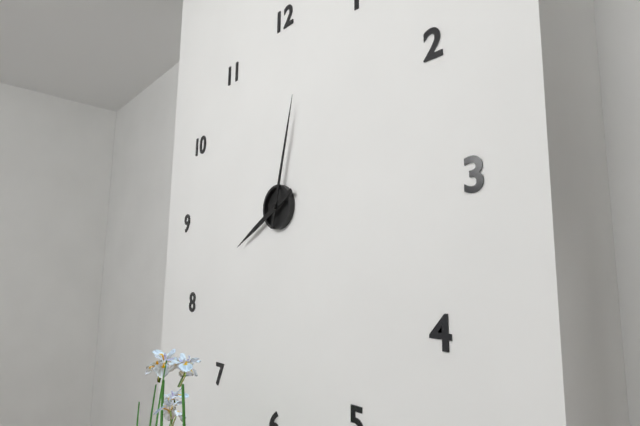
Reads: 8:02
